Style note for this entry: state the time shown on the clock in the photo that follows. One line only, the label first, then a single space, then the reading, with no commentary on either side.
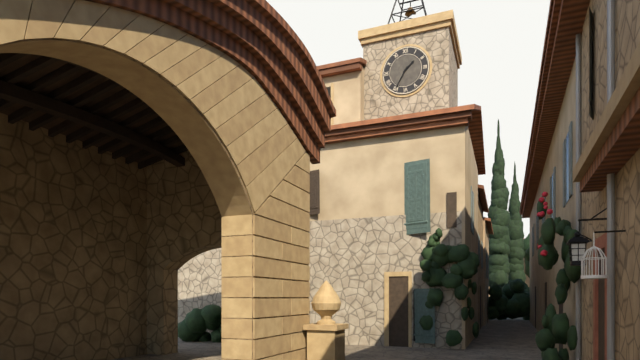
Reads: 1:35
